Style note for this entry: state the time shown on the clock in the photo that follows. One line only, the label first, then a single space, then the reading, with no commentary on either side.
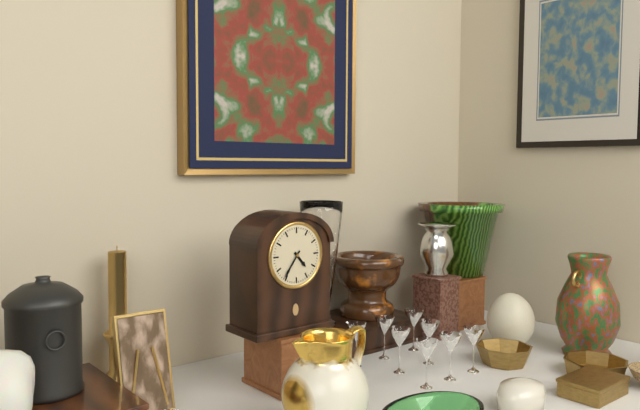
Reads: 4:36
